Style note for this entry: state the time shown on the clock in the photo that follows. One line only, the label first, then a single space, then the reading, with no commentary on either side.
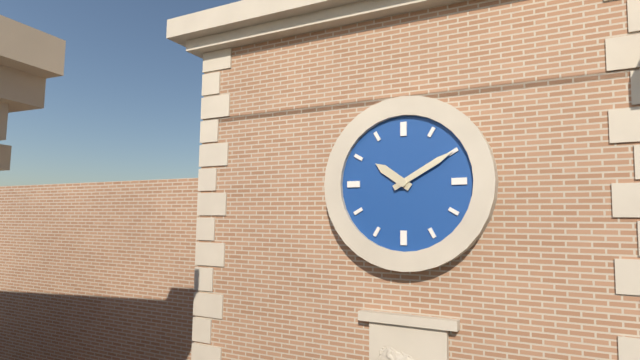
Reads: 10:10
